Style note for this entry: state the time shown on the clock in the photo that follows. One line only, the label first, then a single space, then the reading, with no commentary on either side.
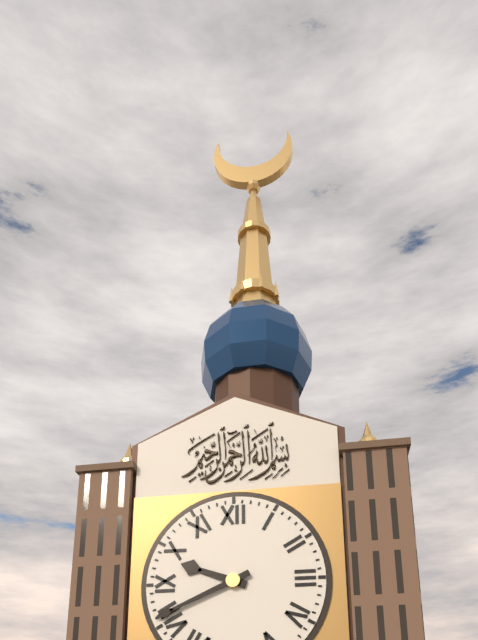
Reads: 9:41
